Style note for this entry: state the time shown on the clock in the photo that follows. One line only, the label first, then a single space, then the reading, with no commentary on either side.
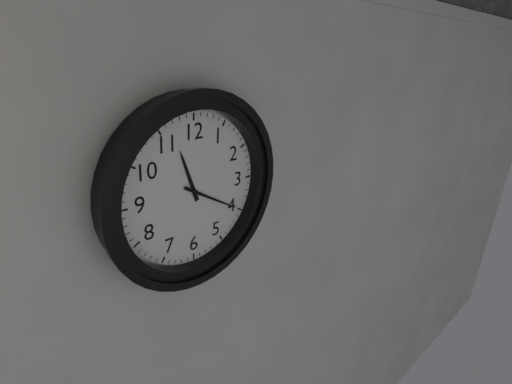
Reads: 11:20
